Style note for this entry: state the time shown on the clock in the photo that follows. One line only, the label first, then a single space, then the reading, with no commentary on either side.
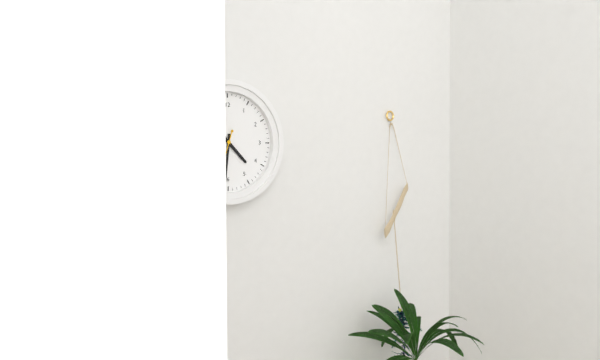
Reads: 4:31
